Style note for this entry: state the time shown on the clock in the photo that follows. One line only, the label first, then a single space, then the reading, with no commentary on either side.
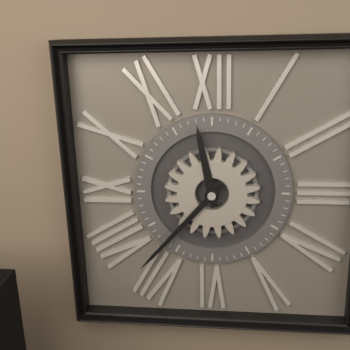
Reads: 11:37
